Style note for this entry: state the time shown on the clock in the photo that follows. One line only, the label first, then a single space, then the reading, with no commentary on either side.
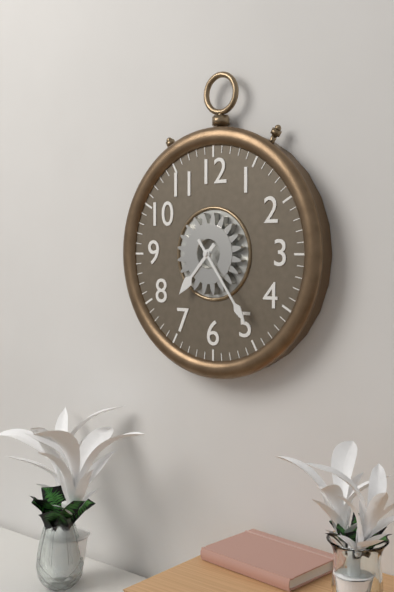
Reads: 7:24
